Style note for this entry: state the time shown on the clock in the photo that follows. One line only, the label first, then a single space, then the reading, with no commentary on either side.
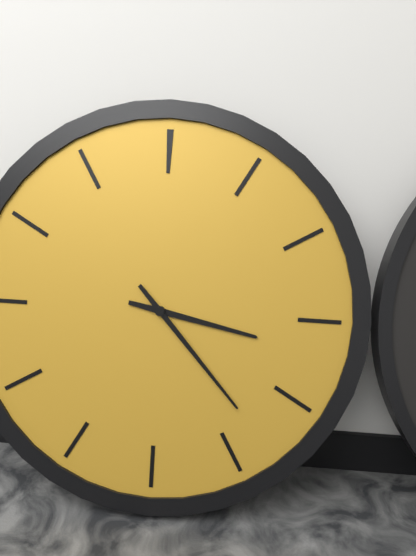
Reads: 3:23
